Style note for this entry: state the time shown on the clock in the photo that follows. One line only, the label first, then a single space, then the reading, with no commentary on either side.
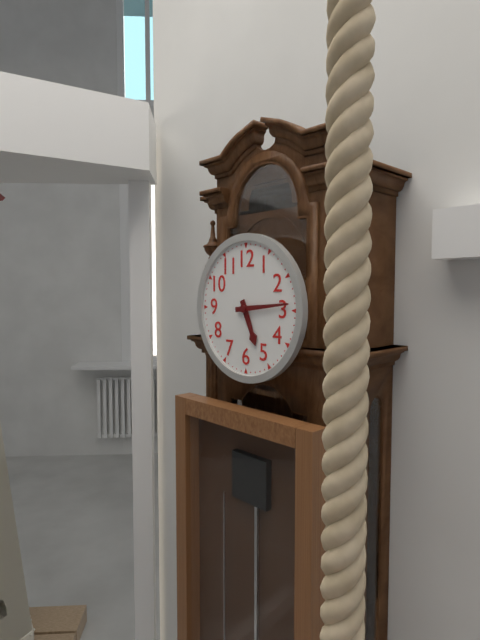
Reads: 5:14
